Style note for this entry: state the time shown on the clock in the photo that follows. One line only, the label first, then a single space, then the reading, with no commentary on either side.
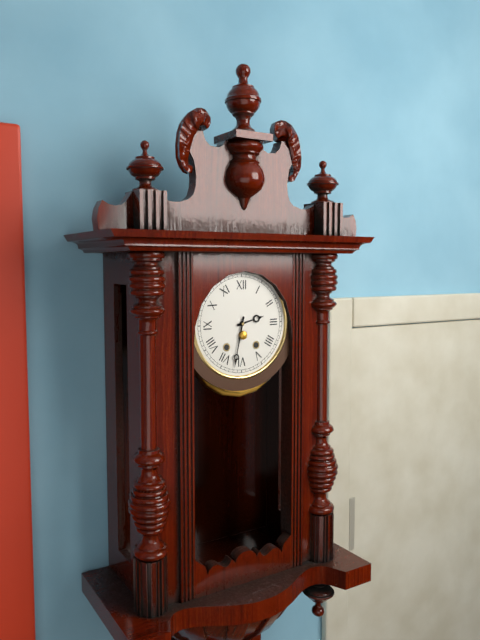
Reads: 2:32
